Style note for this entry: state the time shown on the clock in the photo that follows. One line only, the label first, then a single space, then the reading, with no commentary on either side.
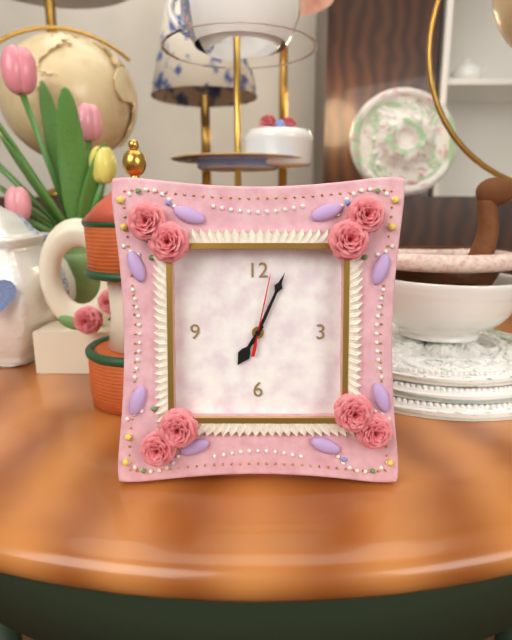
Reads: 7:04:02
